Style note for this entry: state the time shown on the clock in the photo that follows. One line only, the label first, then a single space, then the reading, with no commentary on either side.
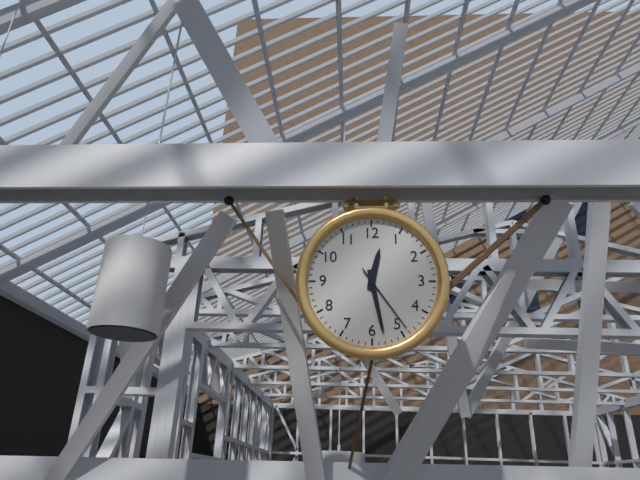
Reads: 12:28:24
